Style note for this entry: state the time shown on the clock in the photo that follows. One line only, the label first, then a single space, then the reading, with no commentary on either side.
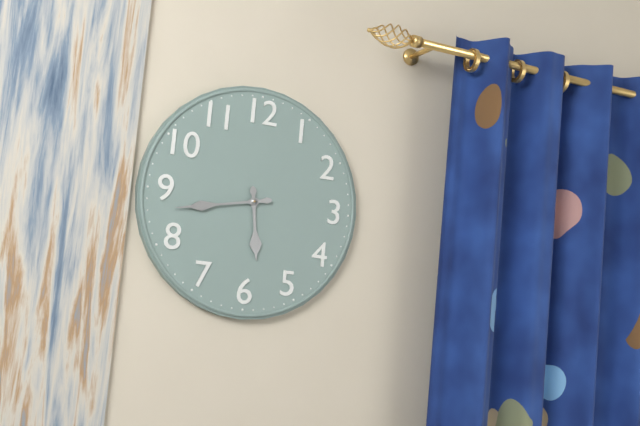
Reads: 5:43
